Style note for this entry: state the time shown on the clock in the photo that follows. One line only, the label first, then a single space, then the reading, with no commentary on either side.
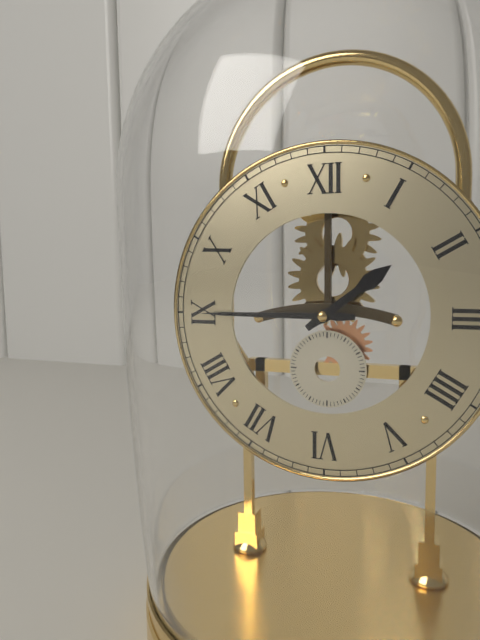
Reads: 1:45
